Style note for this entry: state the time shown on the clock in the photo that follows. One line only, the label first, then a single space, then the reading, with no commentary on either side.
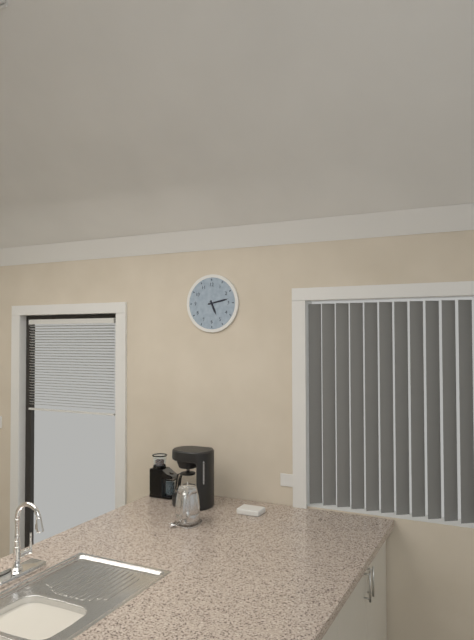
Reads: 5:13
